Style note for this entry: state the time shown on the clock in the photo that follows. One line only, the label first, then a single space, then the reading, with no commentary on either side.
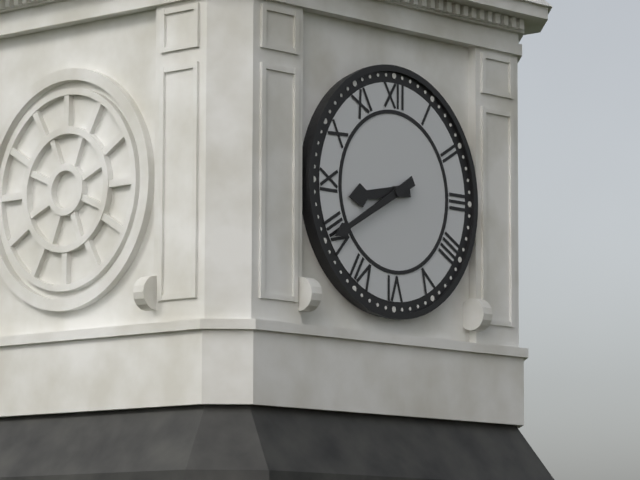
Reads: 8:40
